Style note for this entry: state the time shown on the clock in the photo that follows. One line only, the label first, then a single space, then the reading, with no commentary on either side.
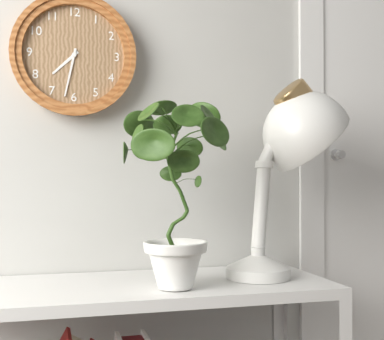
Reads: 7:32
